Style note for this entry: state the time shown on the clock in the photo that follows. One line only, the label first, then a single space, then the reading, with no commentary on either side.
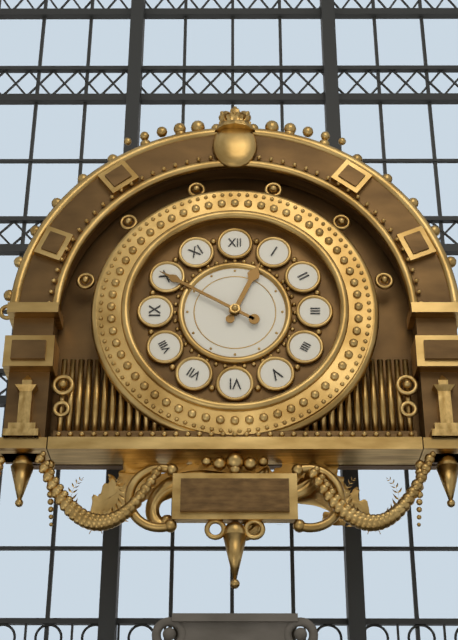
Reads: 12:50
